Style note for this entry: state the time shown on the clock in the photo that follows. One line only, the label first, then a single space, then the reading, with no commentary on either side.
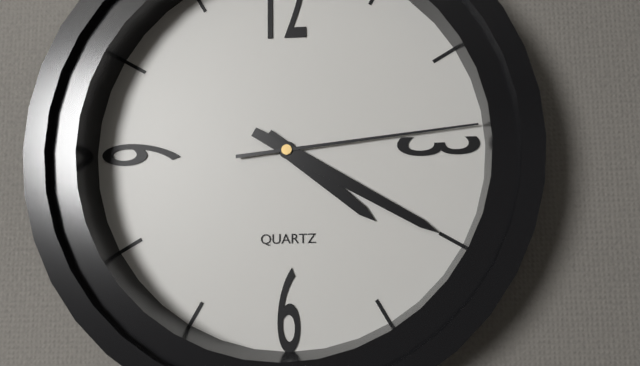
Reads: 4:20:14
